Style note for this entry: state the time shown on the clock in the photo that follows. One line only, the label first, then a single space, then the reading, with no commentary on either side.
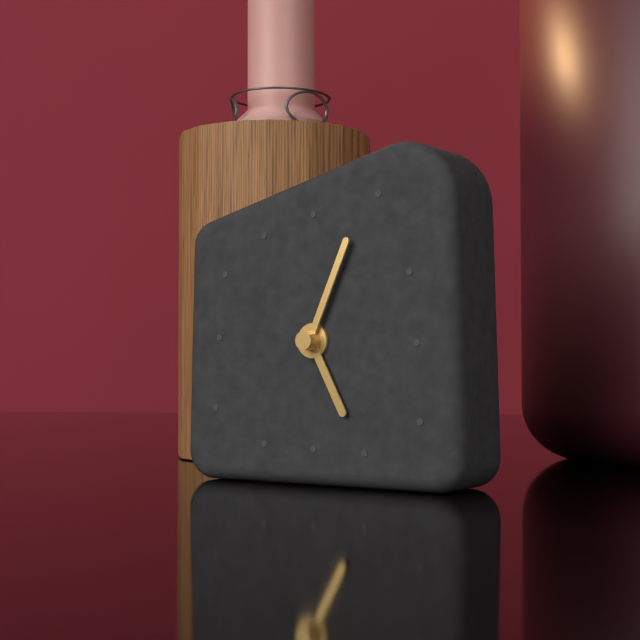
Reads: 5:04
